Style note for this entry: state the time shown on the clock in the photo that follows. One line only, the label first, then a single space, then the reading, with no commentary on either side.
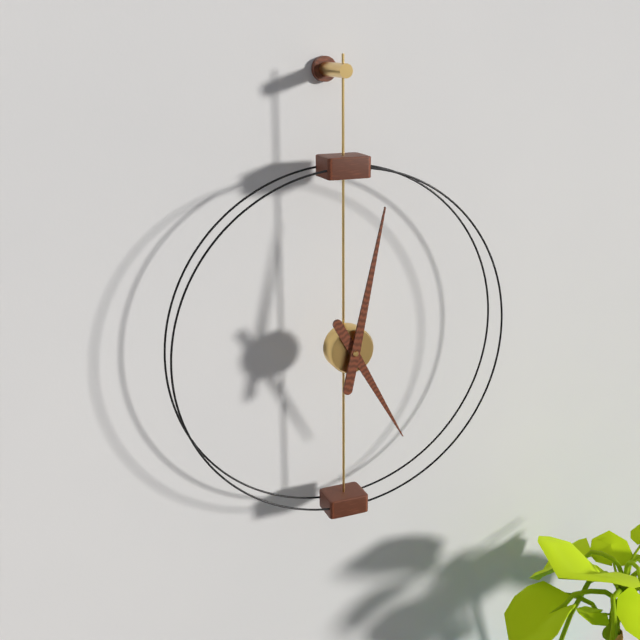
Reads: 5:02
